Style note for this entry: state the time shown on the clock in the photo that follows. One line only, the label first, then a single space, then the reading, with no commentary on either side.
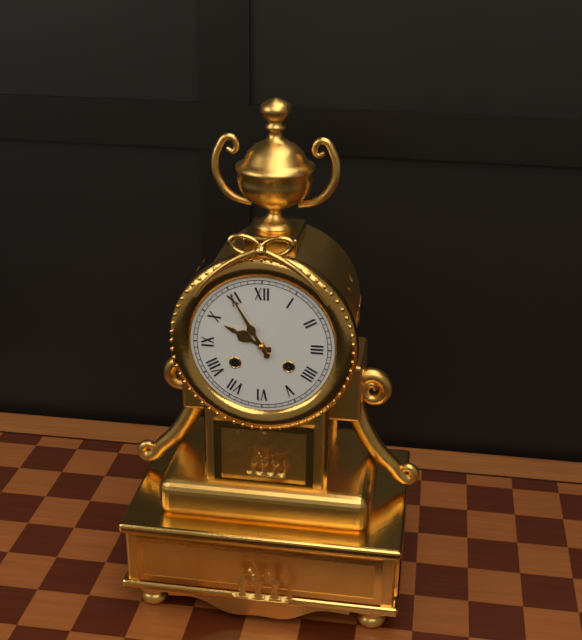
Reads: 9:55
